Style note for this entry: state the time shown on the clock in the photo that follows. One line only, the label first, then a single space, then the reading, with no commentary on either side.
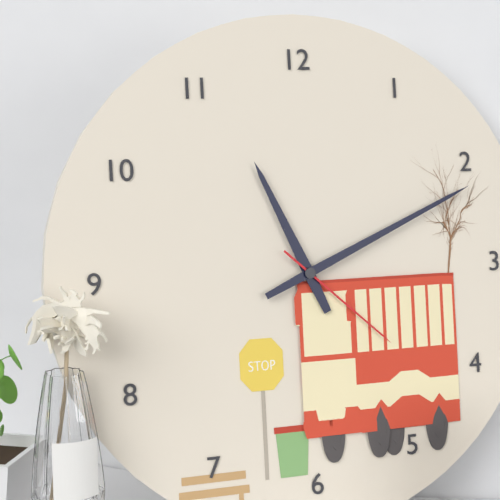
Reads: 11:11:22
